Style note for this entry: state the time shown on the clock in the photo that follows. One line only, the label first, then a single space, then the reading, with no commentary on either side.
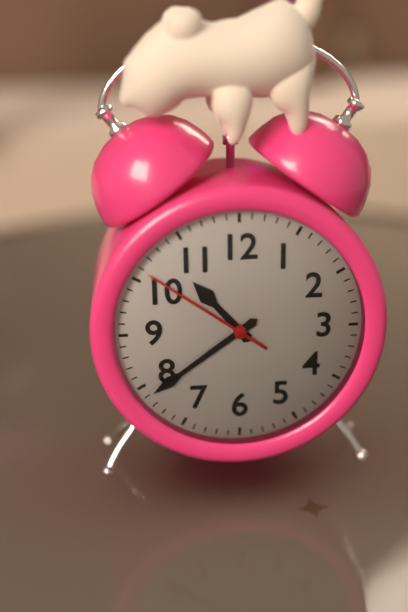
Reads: 10:39:51
